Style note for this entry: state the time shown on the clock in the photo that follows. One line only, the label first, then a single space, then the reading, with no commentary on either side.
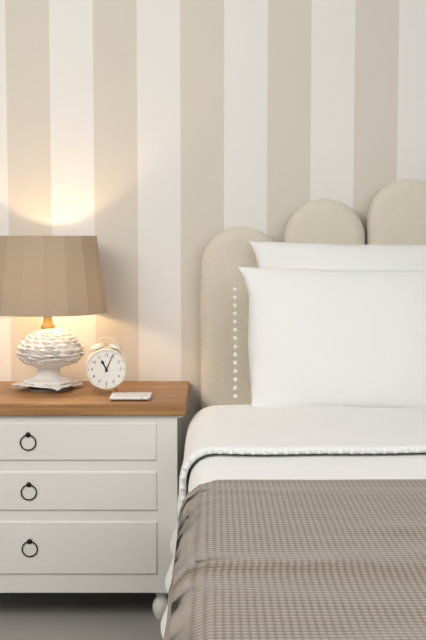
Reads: 11:04
